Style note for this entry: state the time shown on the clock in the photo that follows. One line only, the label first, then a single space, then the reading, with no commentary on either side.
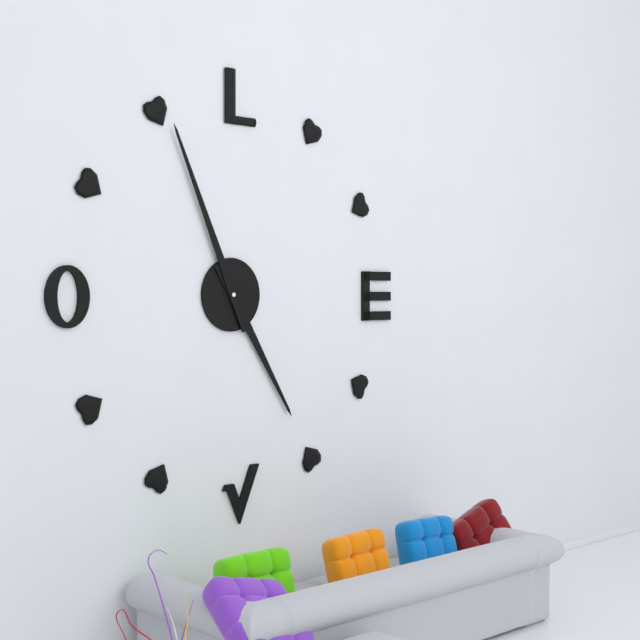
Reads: 4:56
